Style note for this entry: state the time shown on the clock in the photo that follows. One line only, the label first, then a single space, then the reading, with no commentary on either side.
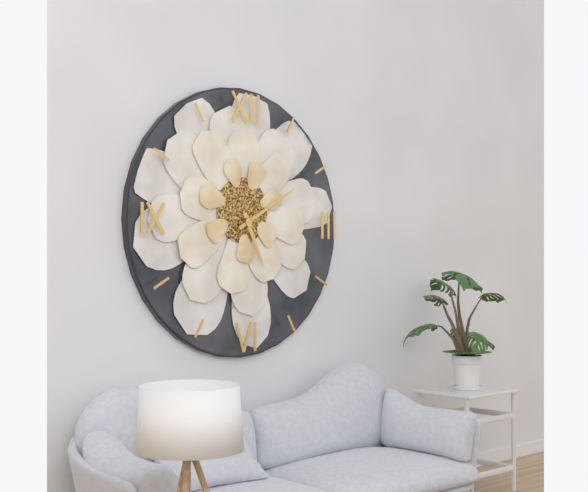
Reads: 5:10
